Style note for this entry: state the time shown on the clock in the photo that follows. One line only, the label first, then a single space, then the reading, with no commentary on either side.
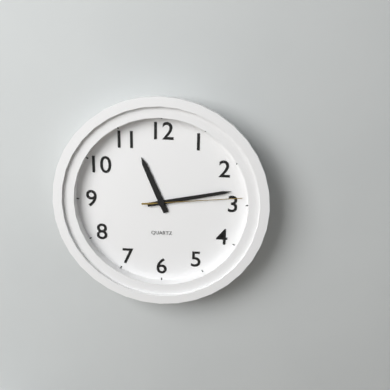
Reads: 11:13:14
